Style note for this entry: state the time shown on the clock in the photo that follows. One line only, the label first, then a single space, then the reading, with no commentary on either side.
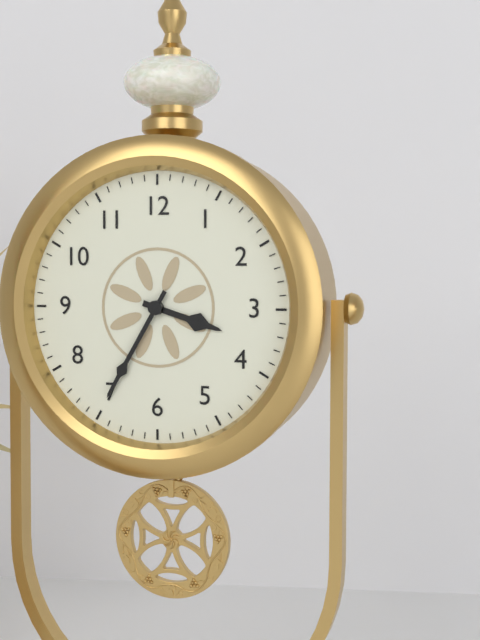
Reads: 3:35
